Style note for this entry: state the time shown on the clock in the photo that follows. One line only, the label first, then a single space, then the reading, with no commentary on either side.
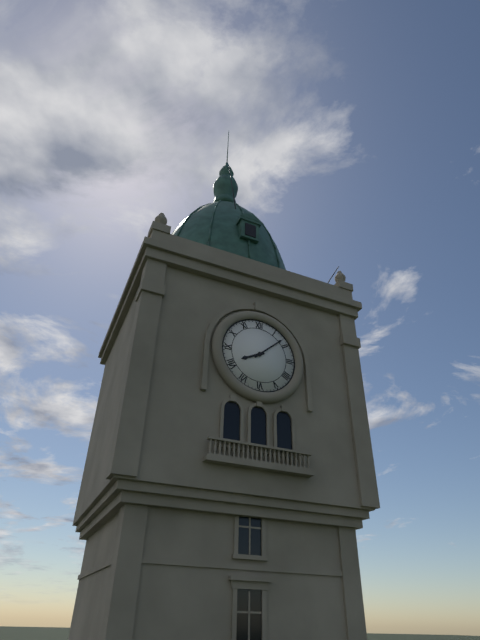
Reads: 8:08
